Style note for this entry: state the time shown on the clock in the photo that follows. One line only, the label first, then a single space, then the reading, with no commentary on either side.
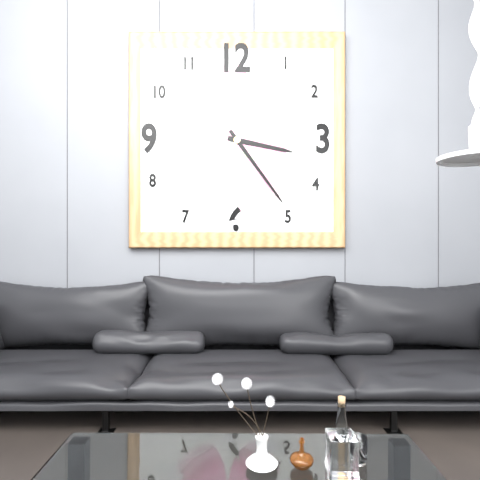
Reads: 3:24
